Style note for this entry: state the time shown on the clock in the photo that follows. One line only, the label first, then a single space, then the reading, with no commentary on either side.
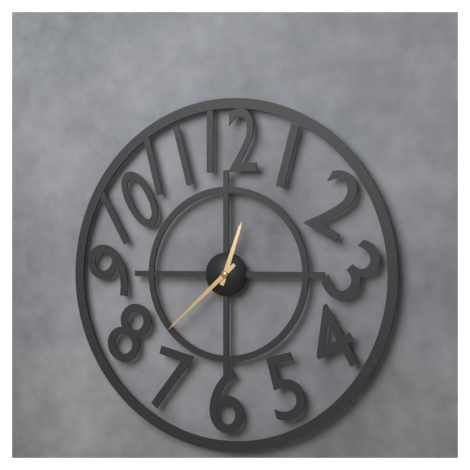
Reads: 12:38
